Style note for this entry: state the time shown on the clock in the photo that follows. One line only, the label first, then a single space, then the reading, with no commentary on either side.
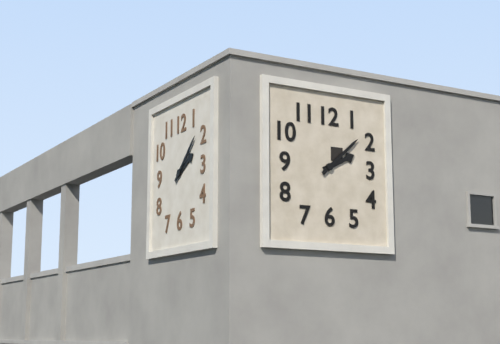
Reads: 2:08
